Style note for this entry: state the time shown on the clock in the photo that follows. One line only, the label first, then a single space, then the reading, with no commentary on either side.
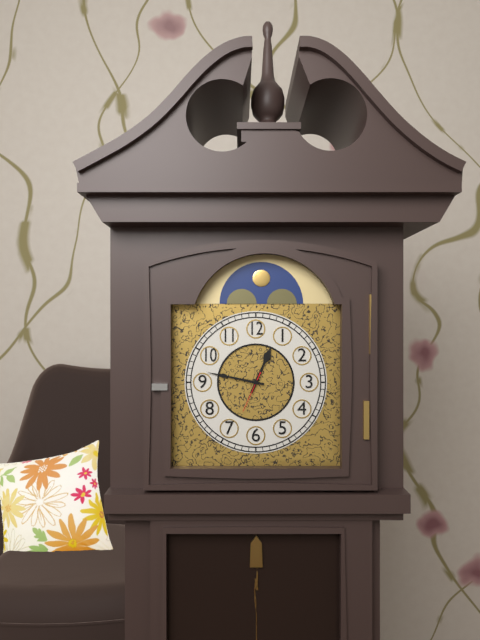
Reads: 12:47
